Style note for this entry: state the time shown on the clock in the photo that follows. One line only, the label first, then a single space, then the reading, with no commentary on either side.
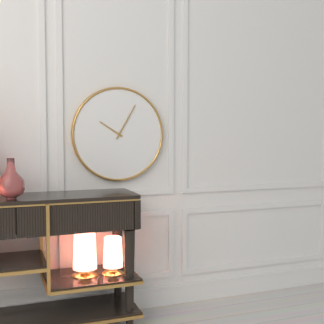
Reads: 10:05
